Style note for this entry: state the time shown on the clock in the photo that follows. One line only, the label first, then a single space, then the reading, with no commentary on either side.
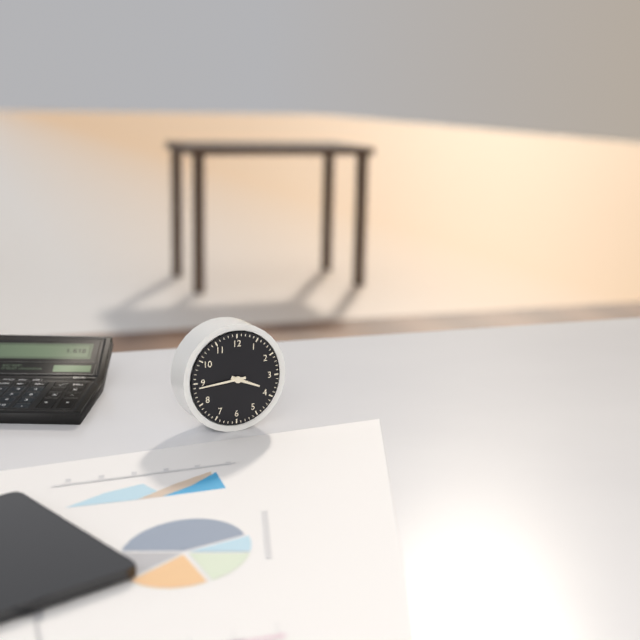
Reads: 3:44
